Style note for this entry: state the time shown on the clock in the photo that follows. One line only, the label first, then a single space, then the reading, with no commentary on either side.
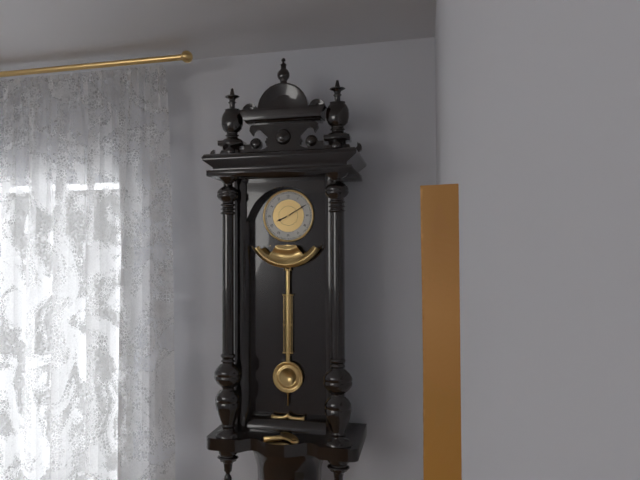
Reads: 8:10
